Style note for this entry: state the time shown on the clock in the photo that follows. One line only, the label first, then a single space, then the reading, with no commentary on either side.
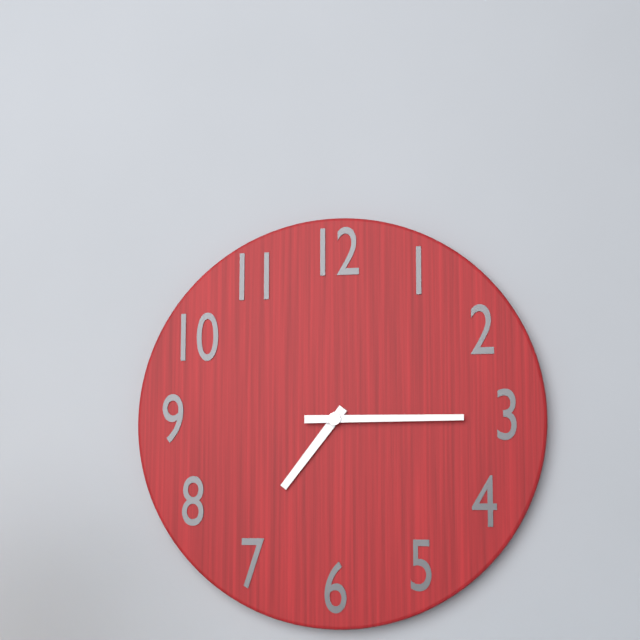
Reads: 7:15
